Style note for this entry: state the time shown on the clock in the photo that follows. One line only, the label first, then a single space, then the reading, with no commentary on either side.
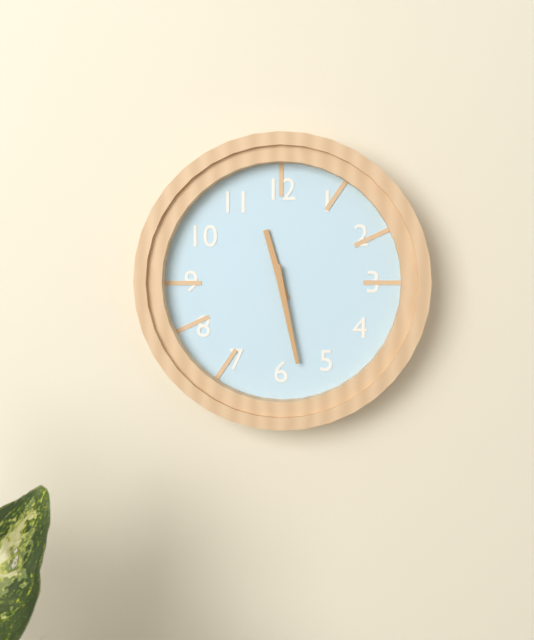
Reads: 11:28
